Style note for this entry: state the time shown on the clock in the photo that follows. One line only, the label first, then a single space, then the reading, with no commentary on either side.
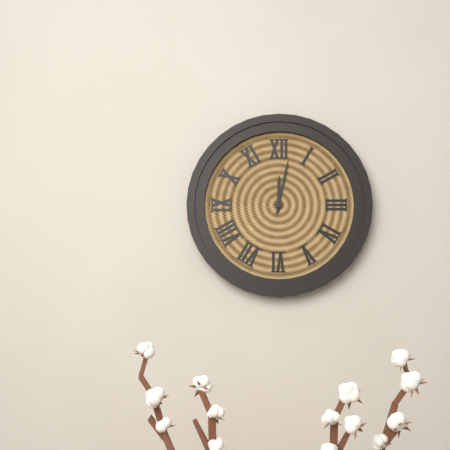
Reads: 12:02
